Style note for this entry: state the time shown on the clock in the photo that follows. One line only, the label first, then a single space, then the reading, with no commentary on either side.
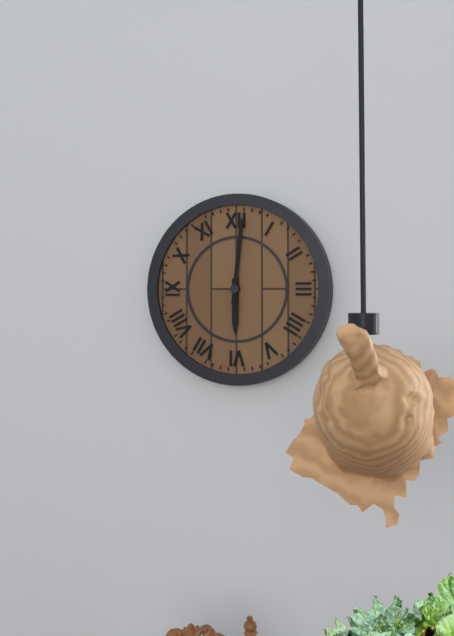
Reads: 6:01
